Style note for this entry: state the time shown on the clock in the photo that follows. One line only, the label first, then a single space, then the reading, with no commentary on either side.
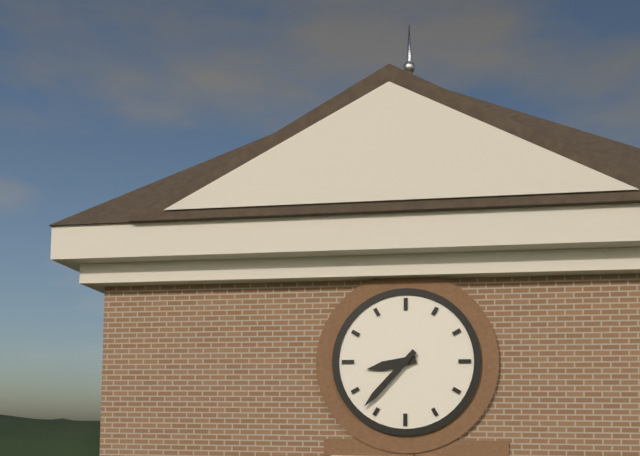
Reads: 8:37
